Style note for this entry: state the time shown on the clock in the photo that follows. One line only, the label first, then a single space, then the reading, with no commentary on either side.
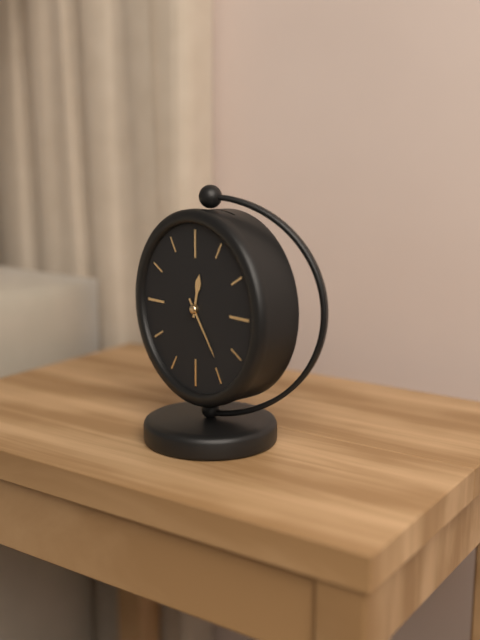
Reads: 12:24
